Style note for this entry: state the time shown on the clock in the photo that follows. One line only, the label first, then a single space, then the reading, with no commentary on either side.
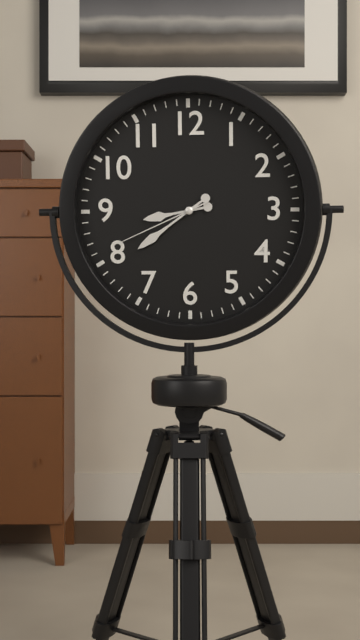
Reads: 8:39:41
